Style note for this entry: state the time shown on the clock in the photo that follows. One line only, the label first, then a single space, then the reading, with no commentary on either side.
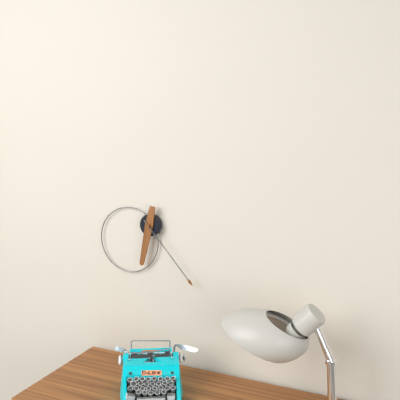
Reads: 6:23
